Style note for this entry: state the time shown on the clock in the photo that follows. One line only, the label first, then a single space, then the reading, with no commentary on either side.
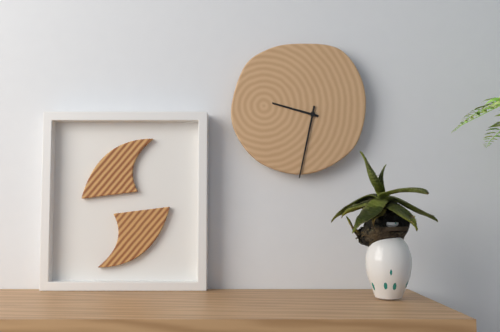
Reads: 9:32
